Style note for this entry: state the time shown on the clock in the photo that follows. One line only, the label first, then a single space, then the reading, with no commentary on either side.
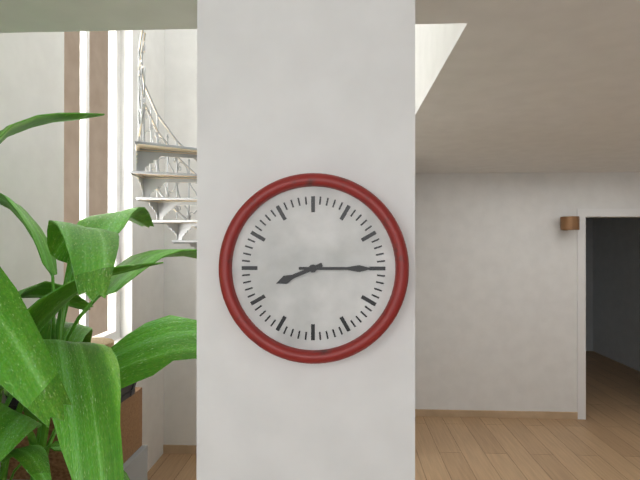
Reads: 8:15
